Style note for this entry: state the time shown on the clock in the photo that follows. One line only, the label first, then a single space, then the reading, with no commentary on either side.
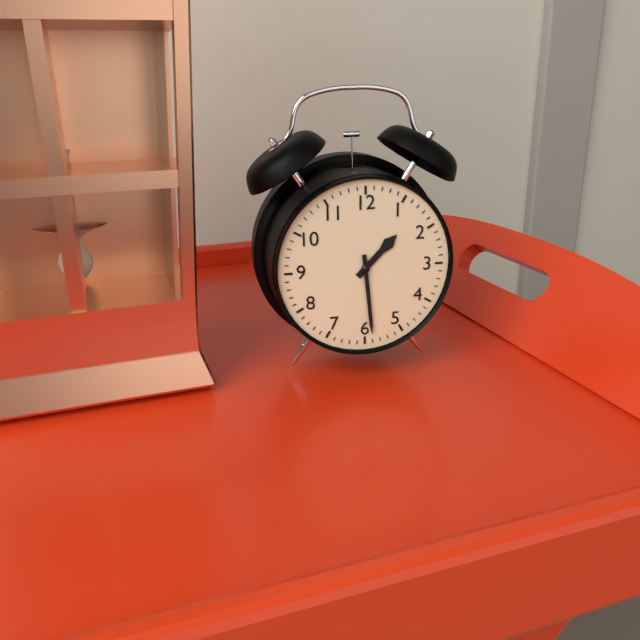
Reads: 1:29
